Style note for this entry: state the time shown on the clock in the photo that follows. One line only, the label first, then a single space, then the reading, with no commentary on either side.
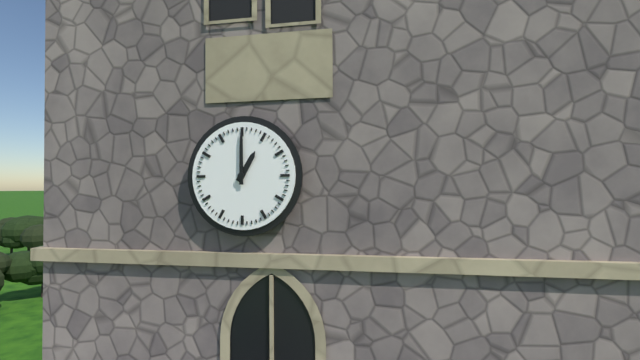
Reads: 1:00
